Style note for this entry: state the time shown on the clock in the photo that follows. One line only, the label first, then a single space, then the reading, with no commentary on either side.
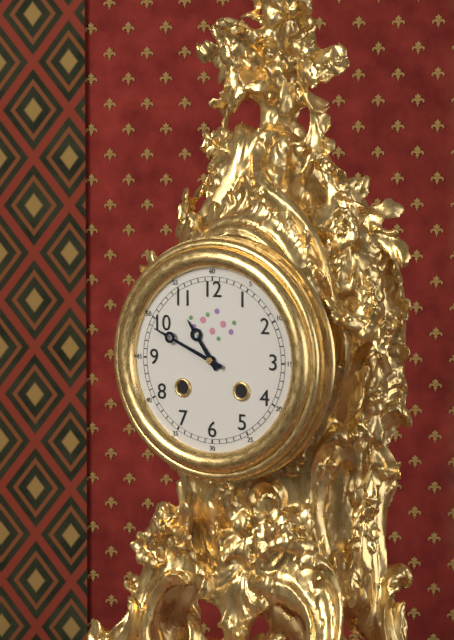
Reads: 10:49
